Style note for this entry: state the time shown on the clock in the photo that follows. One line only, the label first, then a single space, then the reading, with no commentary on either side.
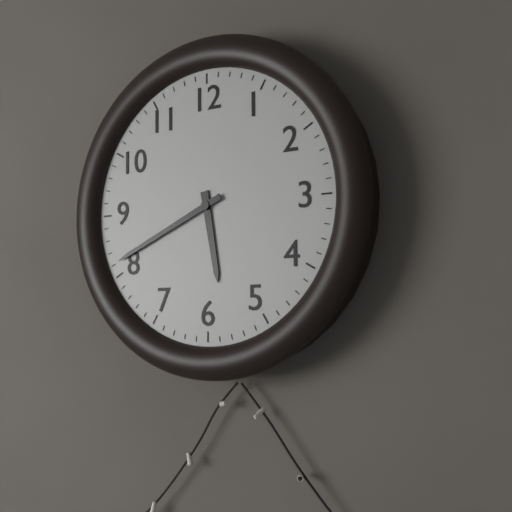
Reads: 5:41
